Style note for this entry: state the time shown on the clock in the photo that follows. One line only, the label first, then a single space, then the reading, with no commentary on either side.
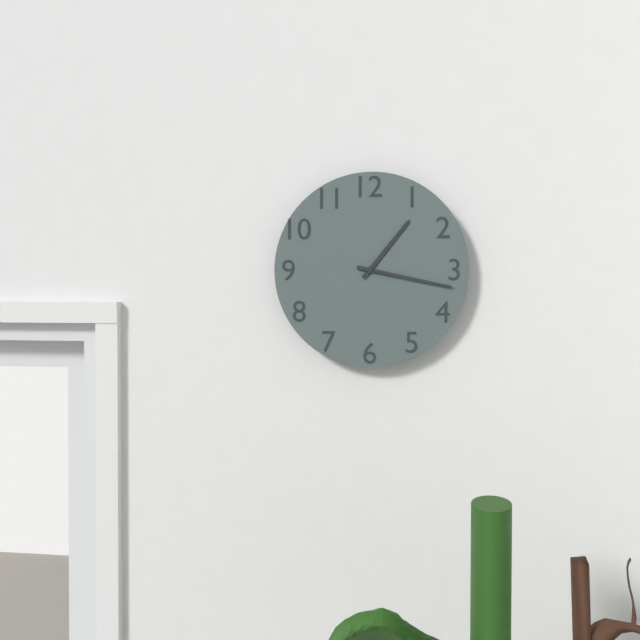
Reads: 1:17
